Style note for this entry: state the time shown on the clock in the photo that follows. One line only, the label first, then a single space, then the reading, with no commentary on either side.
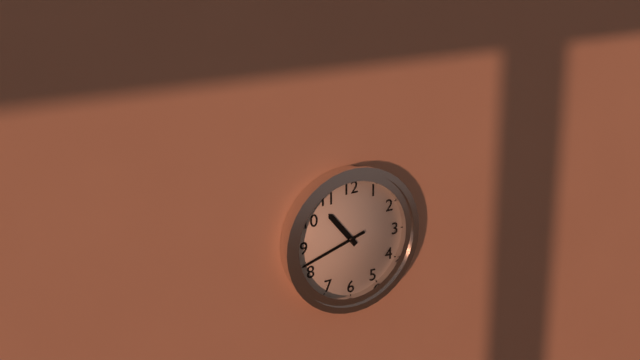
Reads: 10:42
